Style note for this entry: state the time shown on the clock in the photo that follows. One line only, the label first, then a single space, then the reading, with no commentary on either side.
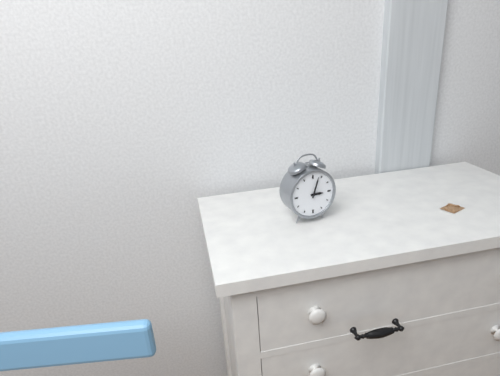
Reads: 3:03
